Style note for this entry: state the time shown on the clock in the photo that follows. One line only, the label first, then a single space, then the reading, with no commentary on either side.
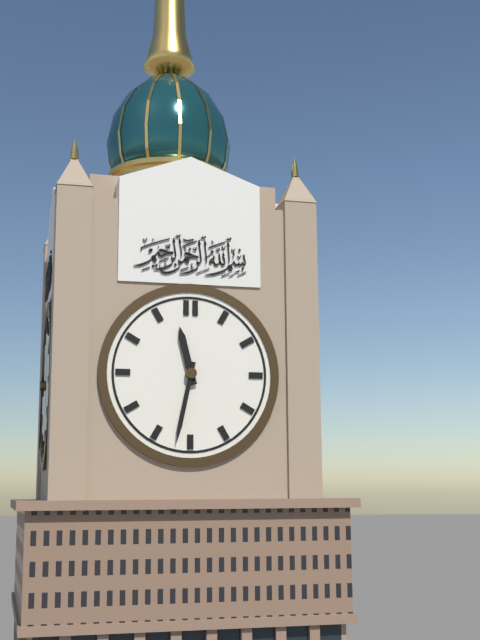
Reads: 11:32
